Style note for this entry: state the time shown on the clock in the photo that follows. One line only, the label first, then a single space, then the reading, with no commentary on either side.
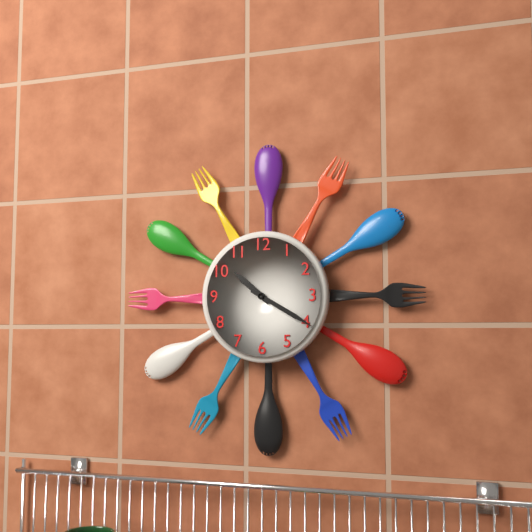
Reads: 10:20
